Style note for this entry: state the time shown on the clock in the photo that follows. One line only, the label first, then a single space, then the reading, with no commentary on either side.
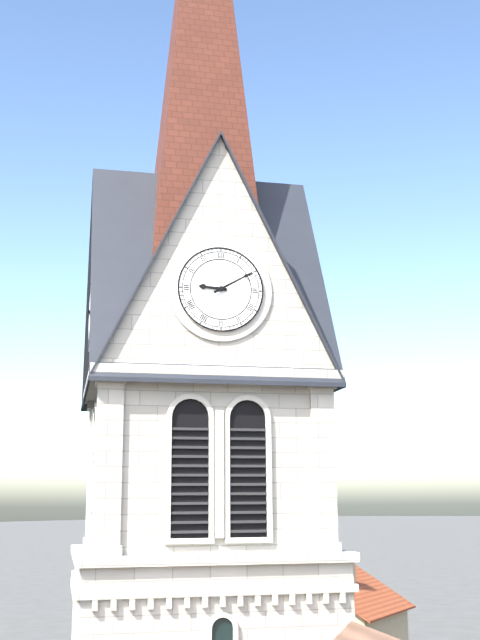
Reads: 9:10
